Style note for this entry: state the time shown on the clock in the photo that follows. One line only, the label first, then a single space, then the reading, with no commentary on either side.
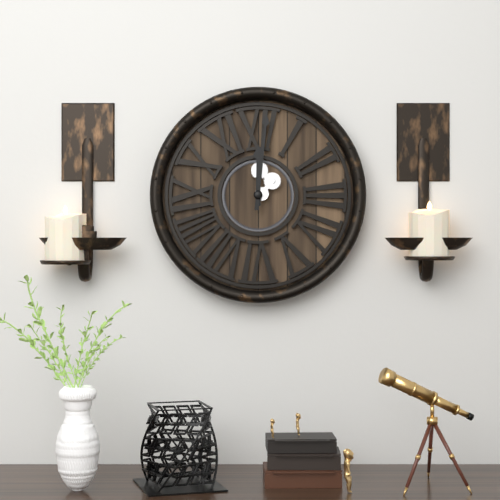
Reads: 12:01
